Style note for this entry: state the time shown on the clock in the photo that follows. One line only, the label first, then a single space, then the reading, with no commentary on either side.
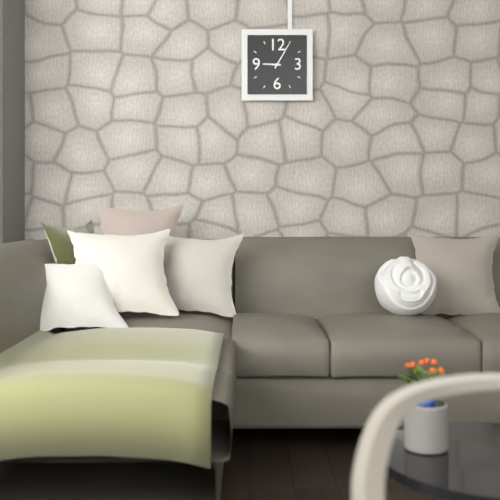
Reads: 9:05
